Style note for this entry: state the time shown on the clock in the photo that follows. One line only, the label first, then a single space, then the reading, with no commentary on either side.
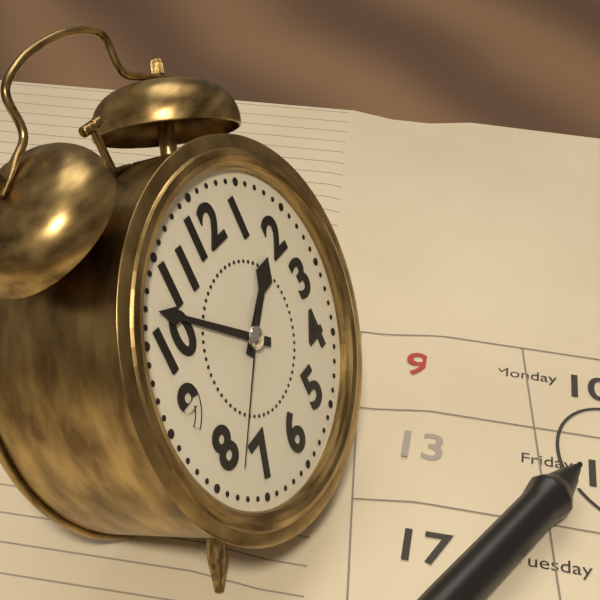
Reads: 1:52:38
